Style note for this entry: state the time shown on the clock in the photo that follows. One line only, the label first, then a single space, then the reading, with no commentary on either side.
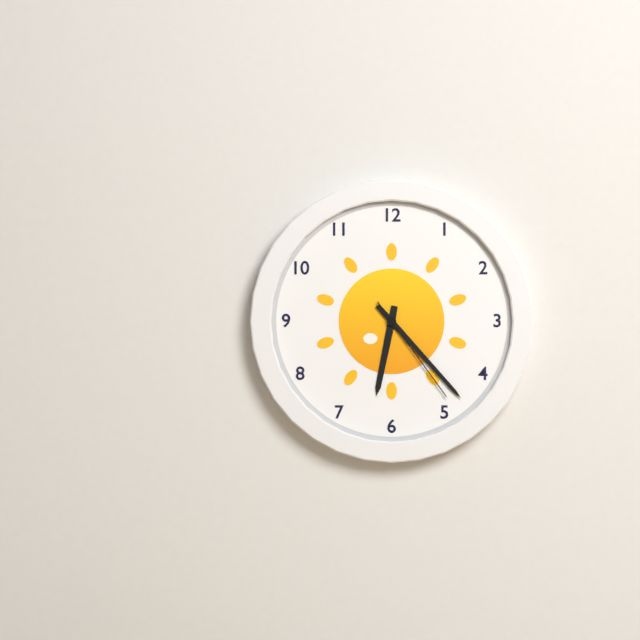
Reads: 6:23:24
